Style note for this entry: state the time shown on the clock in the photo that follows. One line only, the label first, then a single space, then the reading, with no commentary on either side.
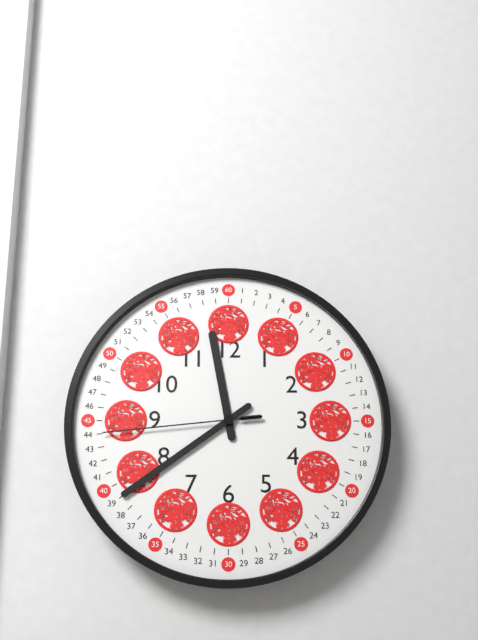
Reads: 11:39:44
